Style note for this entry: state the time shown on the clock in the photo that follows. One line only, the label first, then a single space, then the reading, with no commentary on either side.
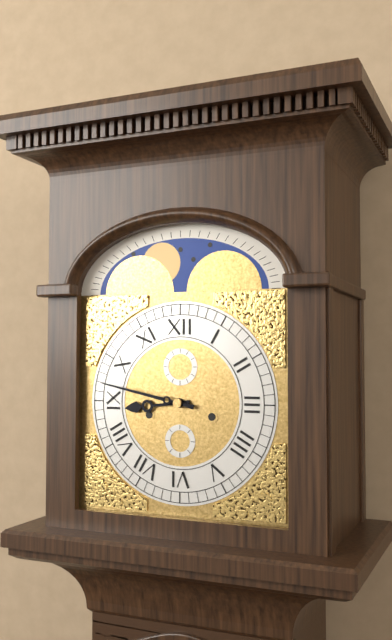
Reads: 8:47
